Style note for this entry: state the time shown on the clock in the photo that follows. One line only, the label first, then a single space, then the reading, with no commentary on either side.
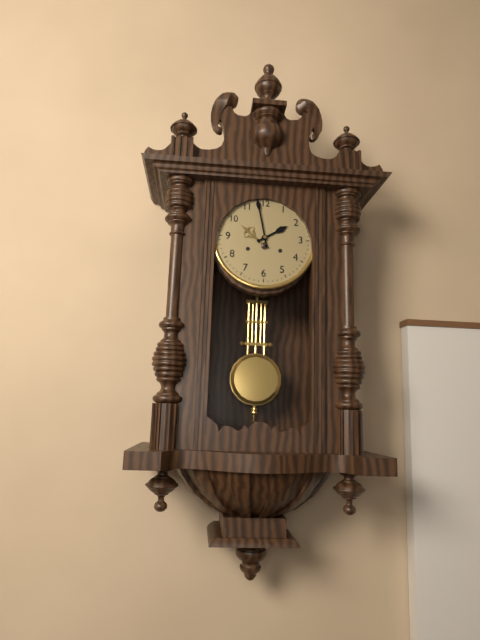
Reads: 1:58
